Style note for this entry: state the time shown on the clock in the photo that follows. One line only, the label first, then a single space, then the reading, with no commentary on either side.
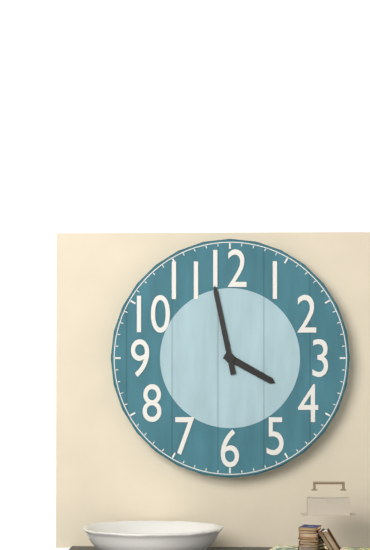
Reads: 3:58
